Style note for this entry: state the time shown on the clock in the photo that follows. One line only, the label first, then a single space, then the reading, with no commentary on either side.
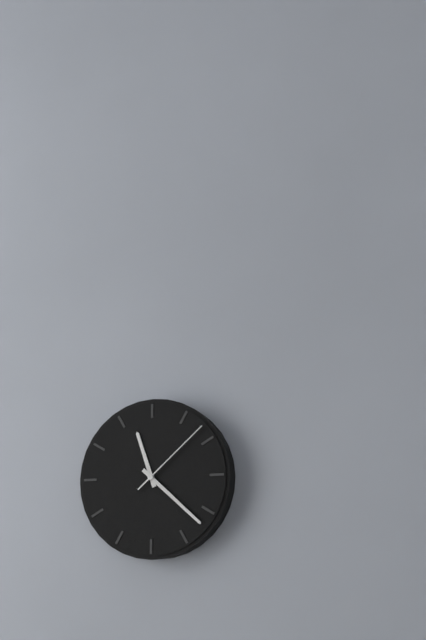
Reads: 11:22:08
